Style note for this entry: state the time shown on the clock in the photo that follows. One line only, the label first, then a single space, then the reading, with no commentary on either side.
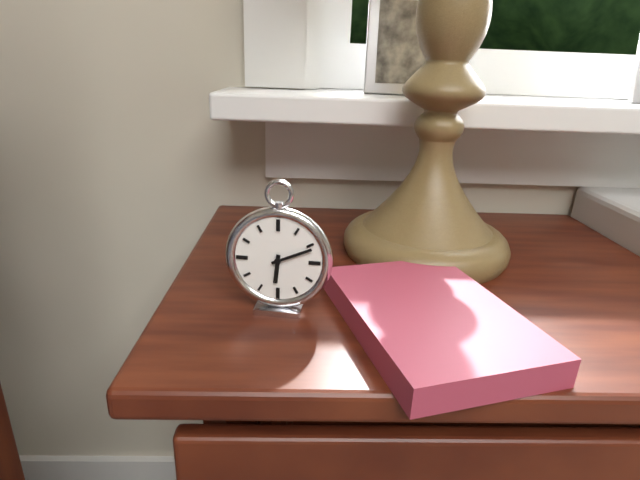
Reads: 6:11
